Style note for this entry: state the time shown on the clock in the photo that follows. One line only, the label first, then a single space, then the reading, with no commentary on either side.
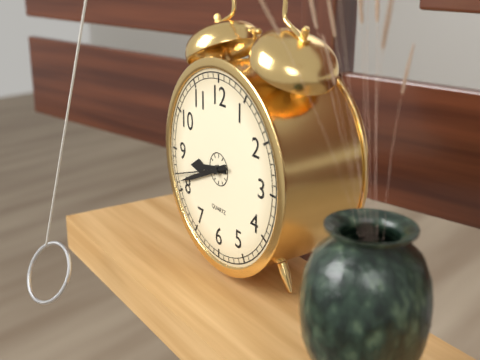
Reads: 8:41:42
